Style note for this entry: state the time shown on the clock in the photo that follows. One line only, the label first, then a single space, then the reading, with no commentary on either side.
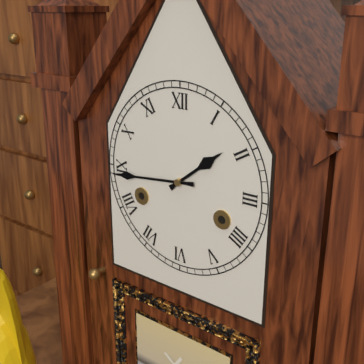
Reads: 1:44
